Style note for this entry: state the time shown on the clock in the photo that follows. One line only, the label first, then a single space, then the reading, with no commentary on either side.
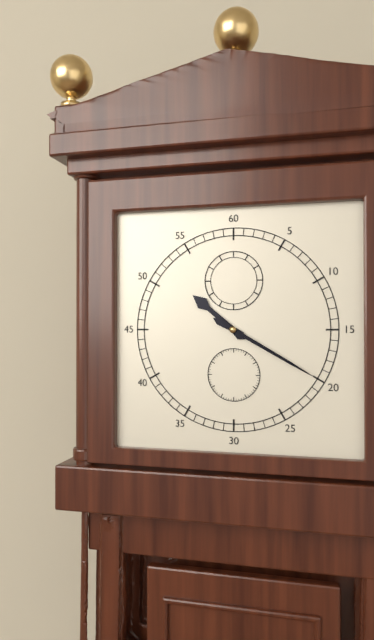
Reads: 10:20
